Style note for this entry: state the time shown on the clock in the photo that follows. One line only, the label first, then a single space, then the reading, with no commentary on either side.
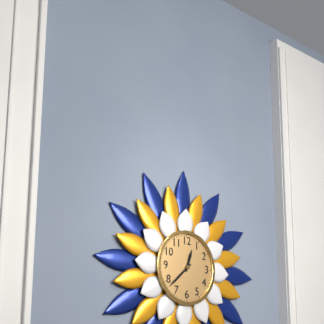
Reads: 12:38
